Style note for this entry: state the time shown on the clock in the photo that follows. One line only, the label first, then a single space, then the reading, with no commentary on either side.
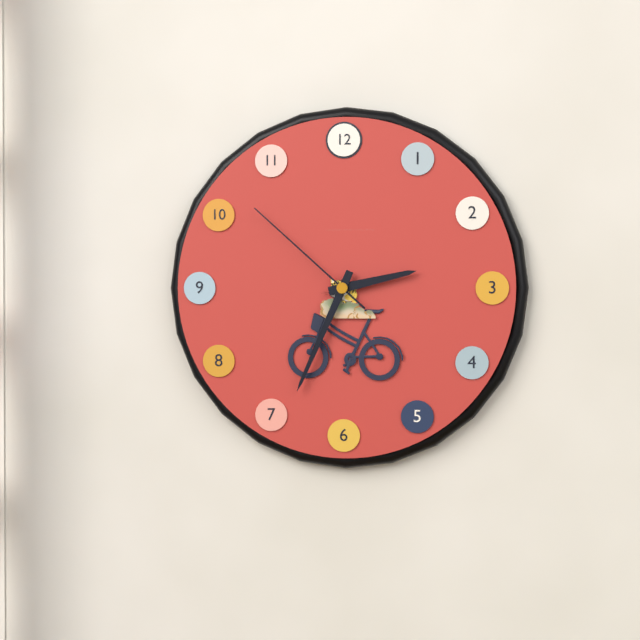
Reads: 2:34:52
